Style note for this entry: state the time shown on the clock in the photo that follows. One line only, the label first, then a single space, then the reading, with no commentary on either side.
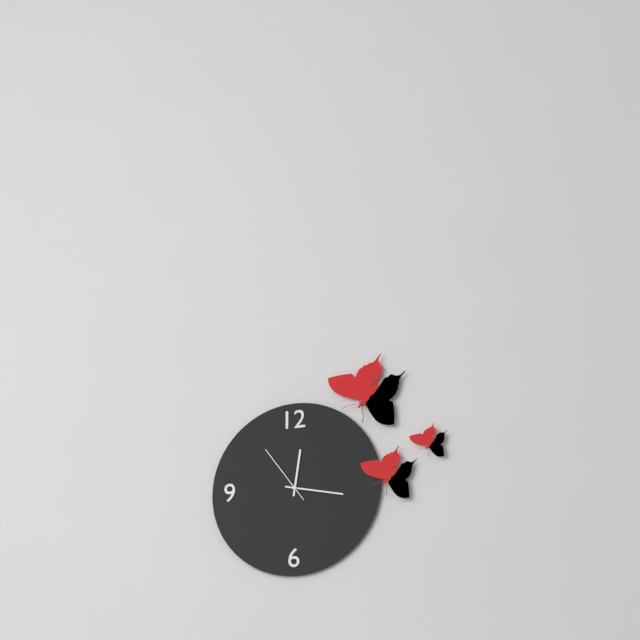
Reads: 12:17:54
